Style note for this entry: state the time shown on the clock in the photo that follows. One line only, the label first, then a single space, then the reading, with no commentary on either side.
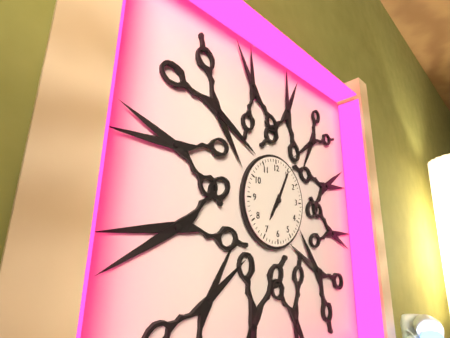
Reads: 7:05
